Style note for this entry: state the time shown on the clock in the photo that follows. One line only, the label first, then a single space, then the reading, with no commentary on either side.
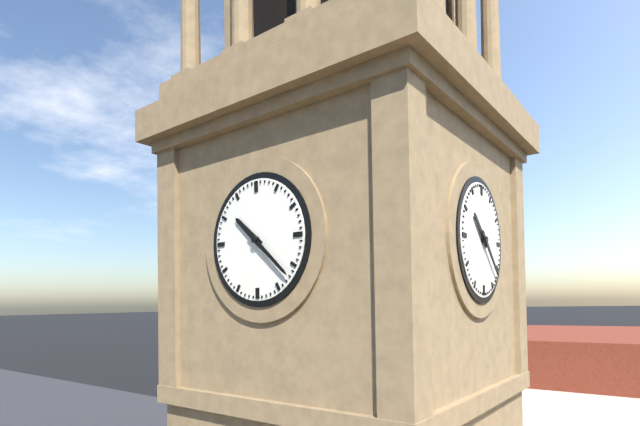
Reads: 10:22
